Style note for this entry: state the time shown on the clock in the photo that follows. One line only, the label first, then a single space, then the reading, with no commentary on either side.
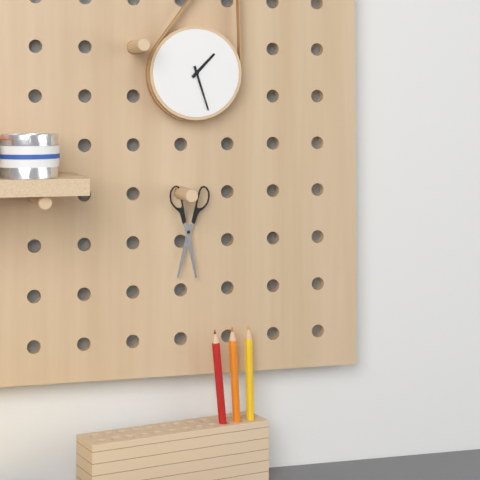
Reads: 1:27
